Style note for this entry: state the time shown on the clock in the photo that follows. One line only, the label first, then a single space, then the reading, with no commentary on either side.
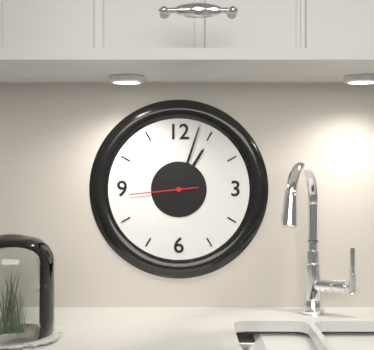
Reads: 1:03:44
